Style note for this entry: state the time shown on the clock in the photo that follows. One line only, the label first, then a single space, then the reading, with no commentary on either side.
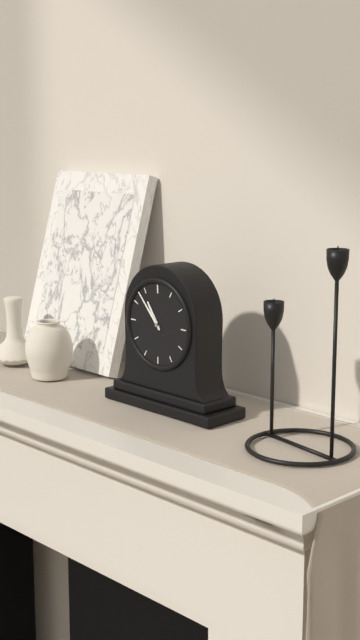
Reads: 10:53
